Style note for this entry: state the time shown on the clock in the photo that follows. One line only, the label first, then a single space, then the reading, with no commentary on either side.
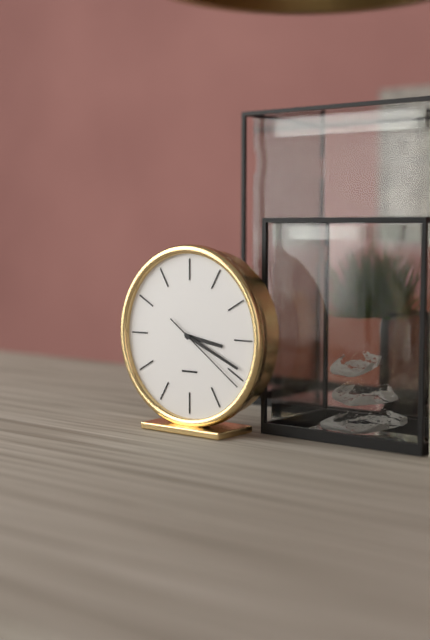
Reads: 3:19:21
